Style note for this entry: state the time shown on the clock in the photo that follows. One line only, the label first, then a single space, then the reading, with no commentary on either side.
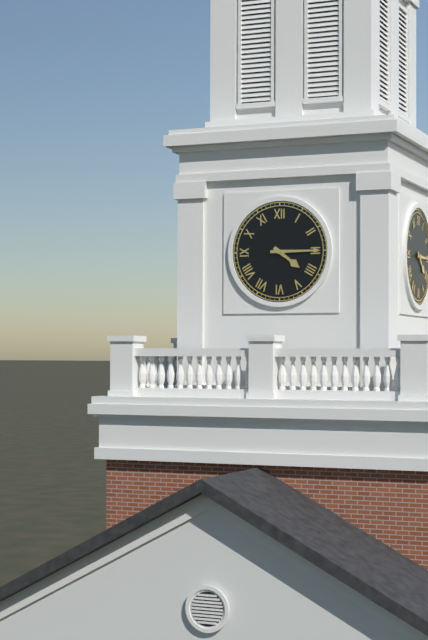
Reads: 4:15
